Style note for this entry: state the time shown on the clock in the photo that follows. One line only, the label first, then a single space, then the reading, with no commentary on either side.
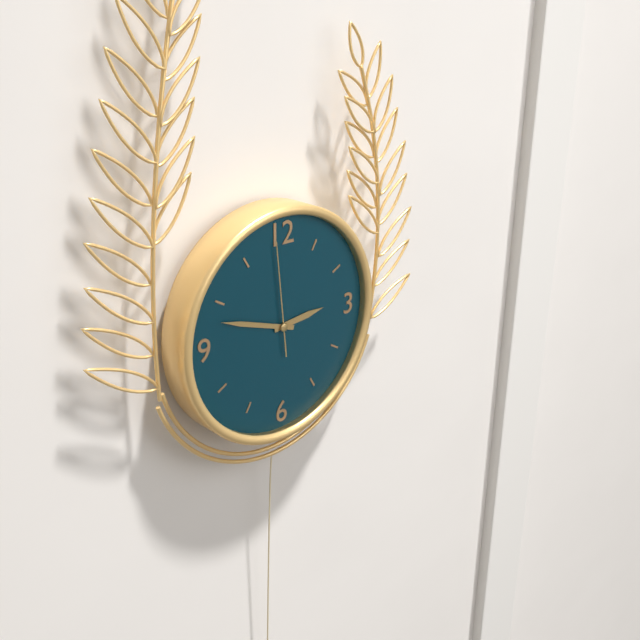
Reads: 2:48:59
